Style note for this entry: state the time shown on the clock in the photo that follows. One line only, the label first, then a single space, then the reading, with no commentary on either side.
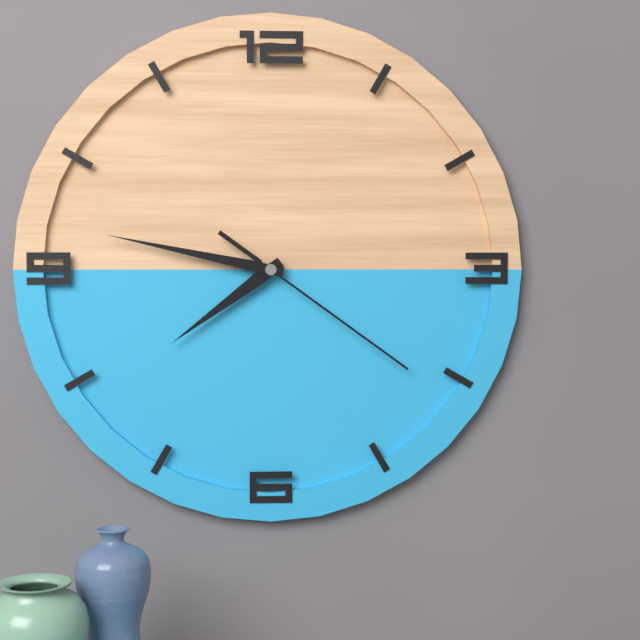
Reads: 7:47:21
